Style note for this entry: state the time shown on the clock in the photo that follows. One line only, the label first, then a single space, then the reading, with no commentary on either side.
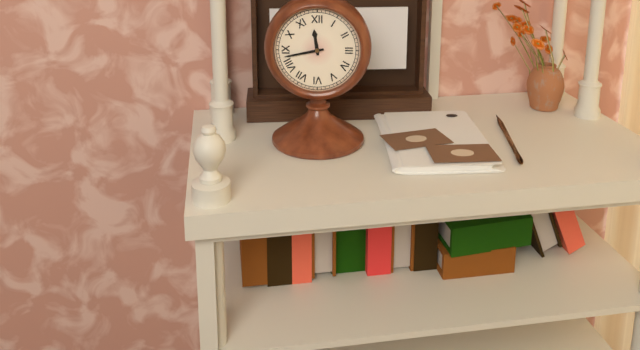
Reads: 11:43
